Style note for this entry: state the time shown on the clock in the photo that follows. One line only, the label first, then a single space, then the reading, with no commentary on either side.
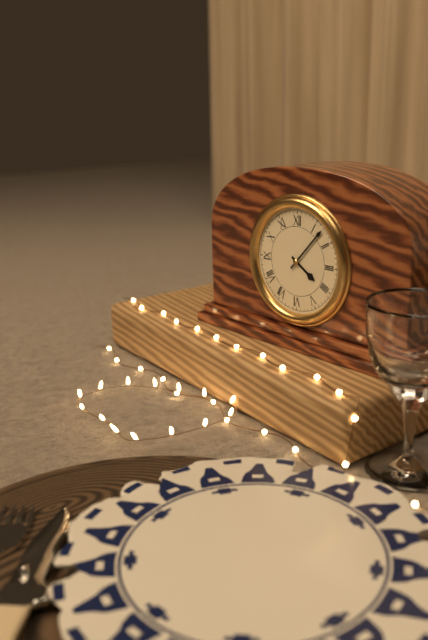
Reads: 4:07
